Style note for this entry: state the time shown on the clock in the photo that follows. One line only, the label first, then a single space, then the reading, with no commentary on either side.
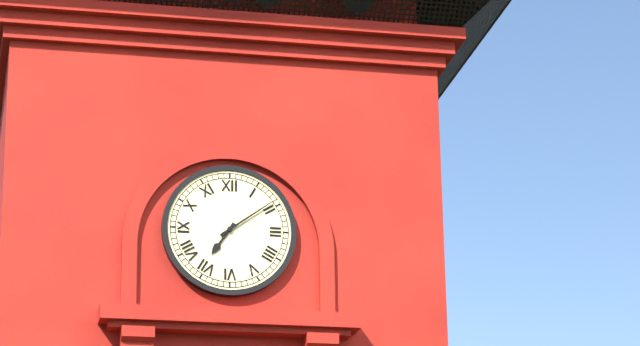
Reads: 7:09
